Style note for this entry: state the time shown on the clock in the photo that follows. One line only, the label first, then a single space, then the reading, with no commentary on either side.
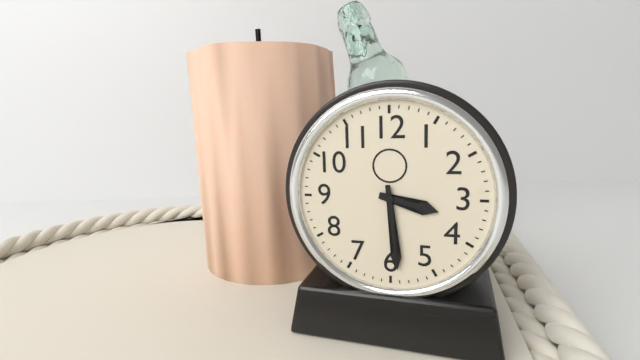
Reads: 3:29
